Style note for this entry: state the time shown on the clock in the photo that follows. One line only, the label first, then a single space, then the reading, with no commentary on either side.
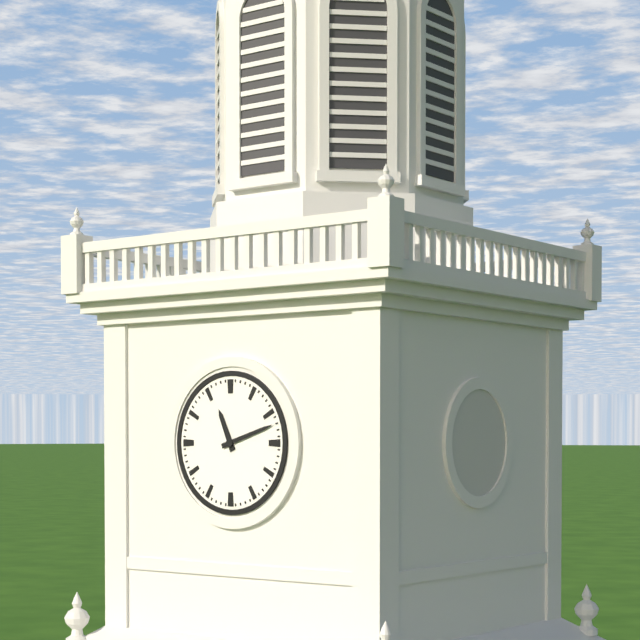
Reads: 11:12
